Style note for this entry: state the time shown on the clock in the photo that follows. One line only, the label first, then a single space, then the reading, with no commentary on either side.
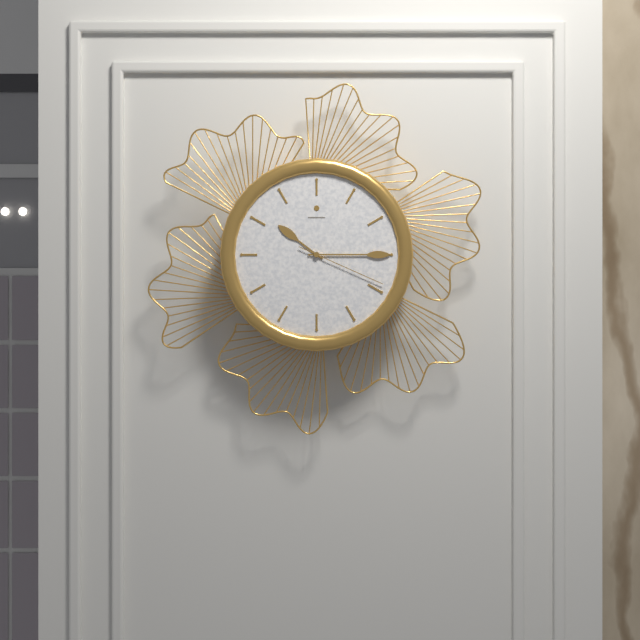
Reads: 10:15:19
